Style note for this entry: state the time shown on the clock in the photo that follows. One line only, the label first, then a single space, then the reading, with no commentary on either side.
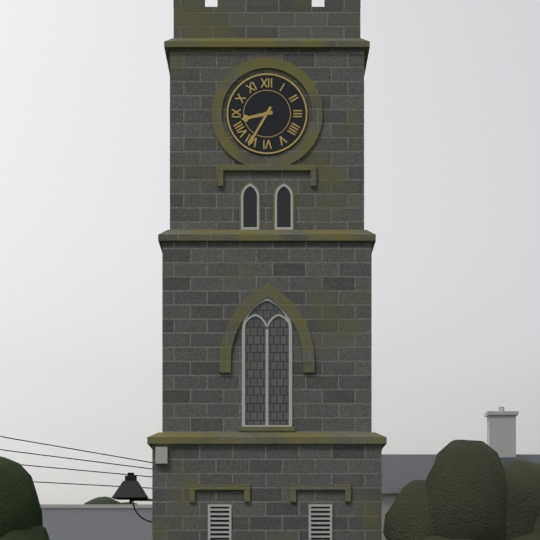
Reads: 8:35
